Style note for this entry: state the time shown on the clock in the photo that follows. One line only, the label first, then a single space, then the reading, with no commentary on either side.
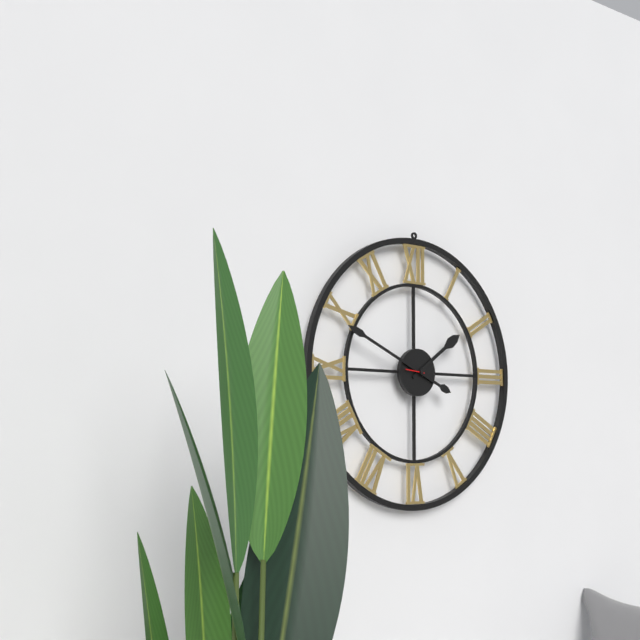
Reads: 1:49
